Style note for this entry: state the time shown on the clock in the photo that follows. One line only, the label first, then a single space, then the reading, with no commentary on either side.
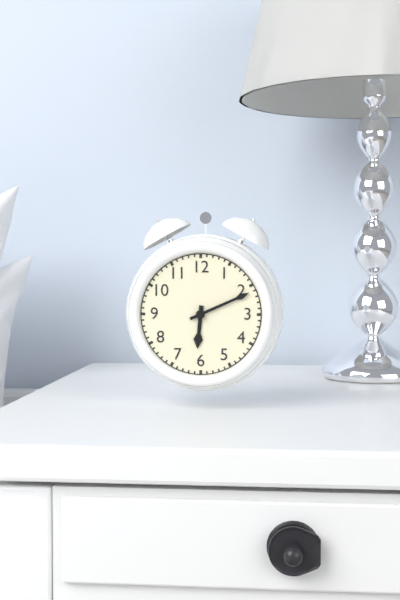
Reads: 6:11
